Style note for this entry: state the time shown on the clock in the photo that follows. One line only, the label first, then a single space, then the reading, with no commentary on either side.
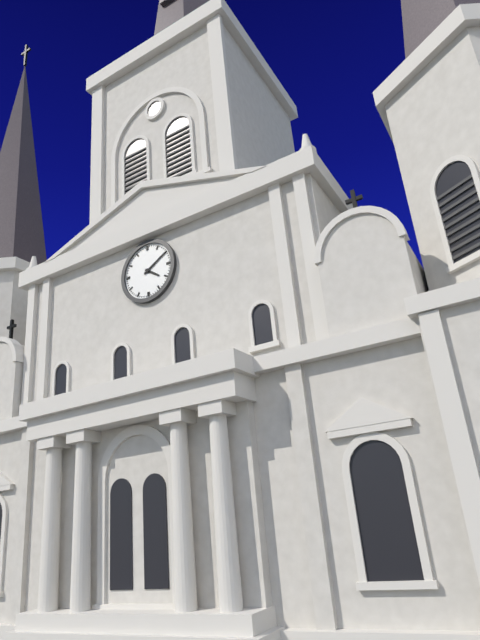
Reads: 4:10
